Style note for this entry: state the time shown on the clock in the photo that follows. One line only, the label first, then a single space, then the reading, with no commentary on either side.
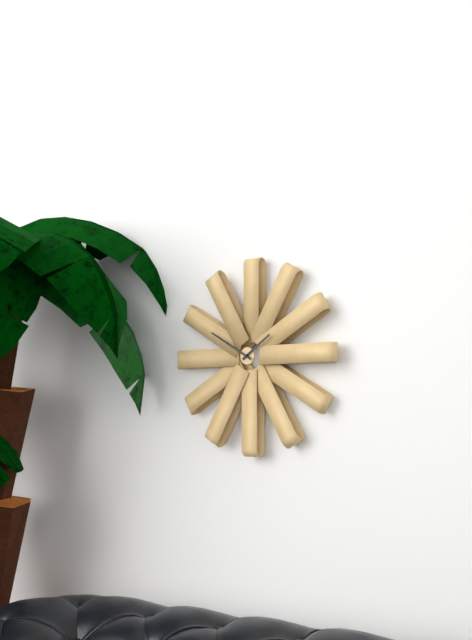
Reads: 1:50
